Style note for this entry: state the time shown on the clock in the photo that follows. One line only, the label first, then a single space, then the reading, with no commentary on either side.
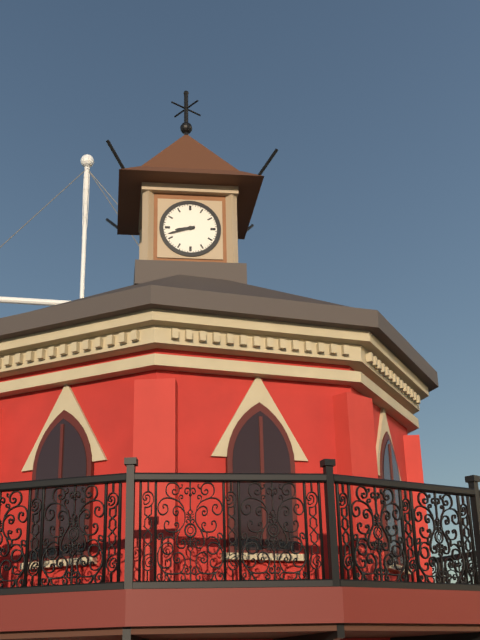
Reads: 8:42
